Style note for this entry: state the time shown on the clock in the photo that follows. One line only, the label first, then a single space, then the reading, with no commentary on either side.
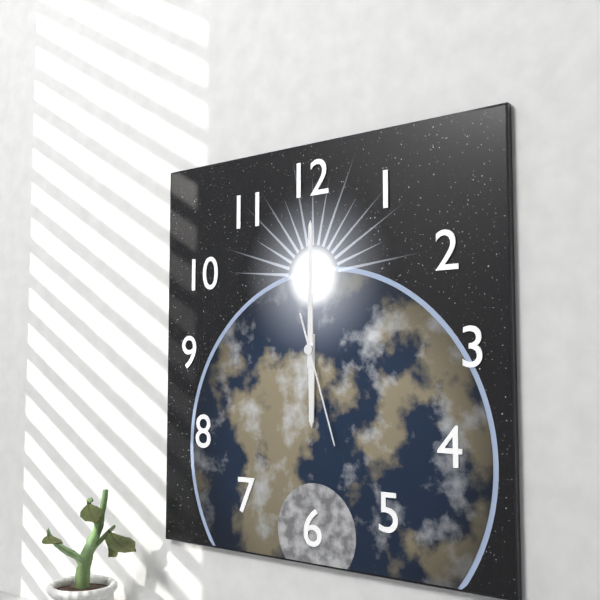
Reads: 6:00:27
